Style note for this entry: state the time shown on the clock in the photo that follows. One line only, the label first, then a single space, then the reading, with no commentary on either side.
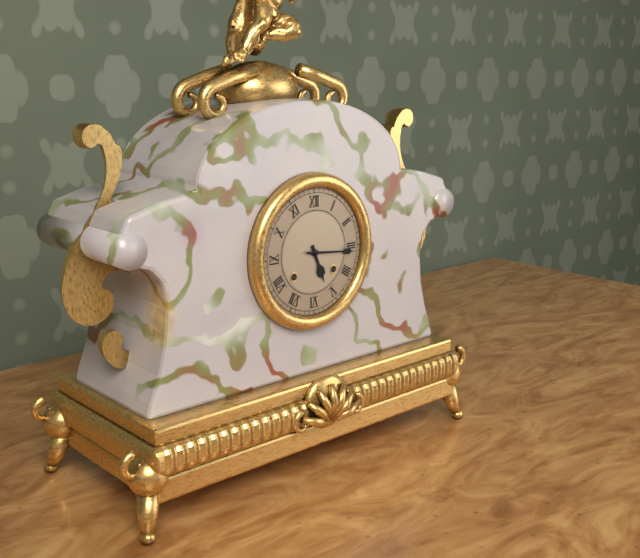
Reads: 5:16
